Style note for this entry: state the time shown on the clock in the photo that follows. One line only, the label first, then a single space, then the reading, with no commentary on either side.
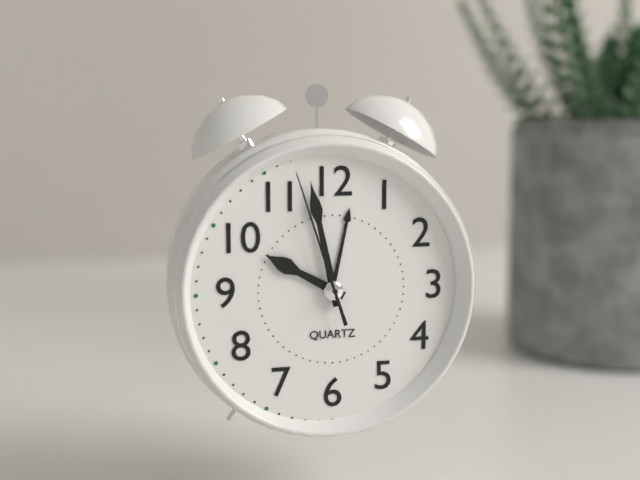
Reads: 9:58:57
